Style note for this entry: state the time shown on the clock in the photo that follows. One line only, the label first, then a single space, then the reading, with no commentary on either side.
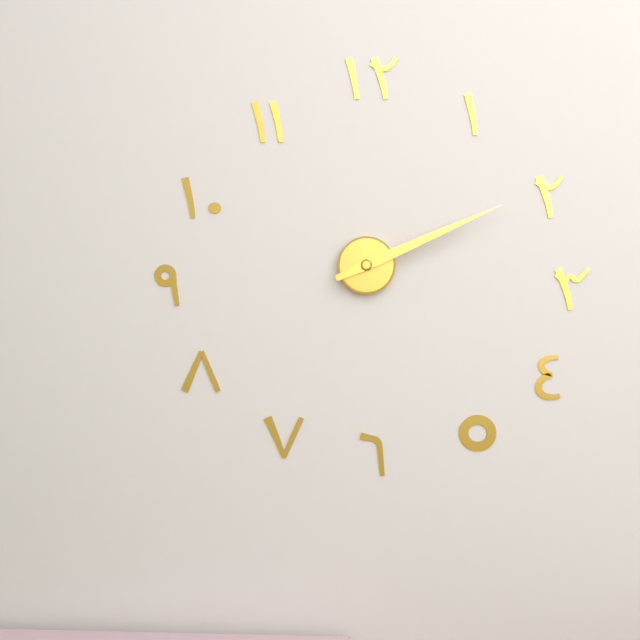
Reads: 2:11
